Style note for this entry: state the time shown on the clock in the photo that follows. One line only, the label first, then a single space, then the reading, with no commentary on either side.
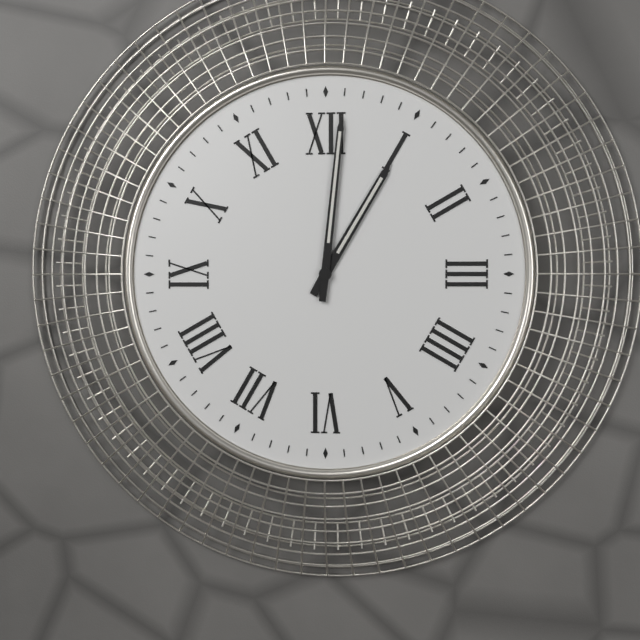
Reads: 1:01
